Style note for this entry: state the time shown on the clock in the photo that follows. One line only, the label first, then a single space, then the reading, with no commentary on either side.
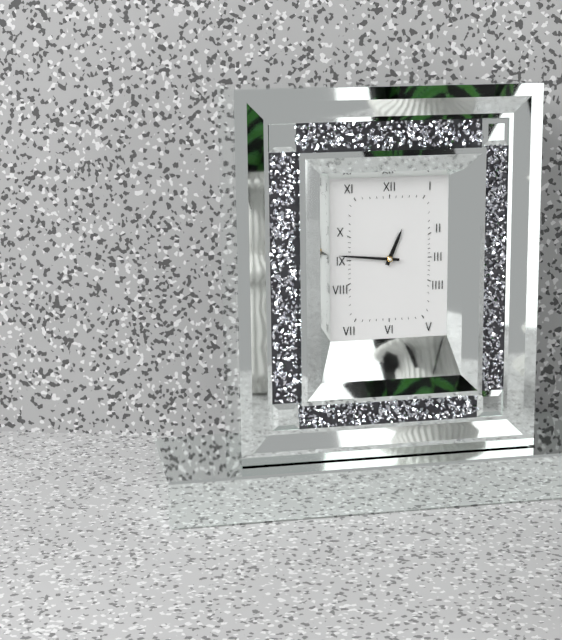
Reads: 12:46
